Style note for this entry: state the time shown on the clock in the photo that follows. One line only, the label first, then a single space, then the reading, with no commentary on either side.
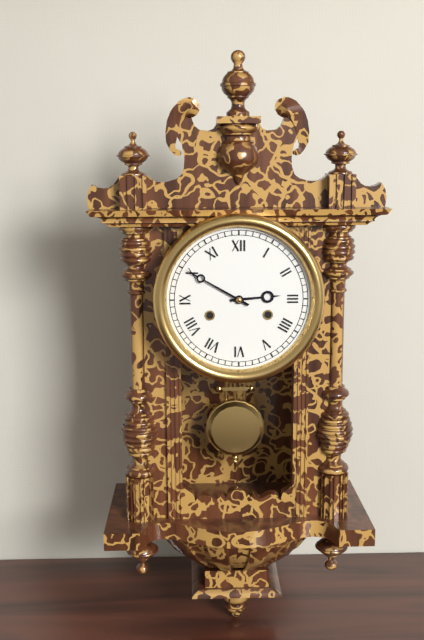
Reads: 2:50
